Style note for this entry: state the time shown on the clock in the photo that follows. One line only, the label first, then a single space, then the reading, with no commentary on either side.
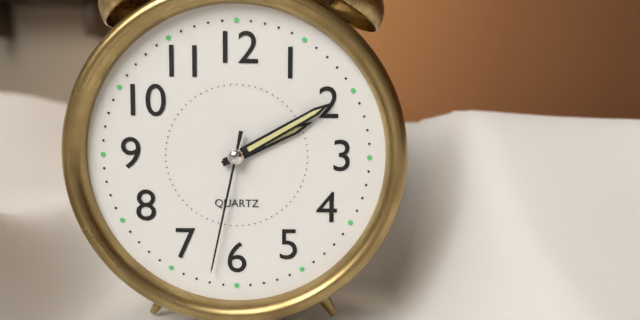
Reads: 2:10:32
